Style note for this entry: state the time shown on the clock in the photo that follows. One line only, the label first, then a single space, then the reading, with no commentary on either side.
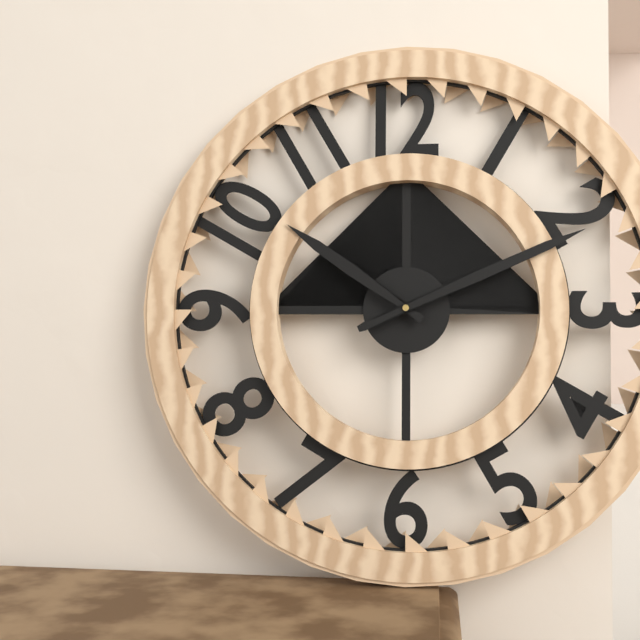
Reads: 10:11
